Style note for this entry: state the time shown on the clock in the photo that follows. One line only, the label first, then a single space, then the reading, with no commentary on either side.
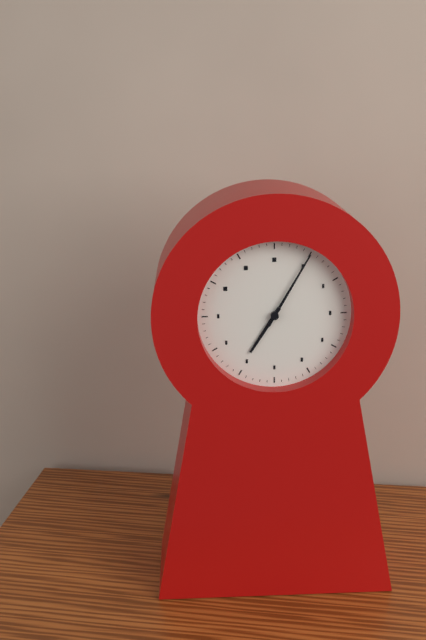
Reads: 7:05
